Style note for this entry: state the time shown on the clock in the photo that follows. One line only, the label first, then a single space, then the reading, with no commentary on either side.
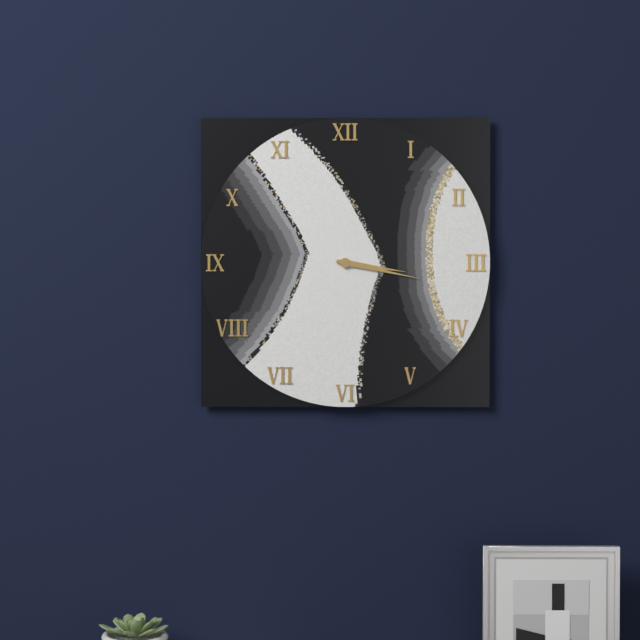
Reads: 3:17
